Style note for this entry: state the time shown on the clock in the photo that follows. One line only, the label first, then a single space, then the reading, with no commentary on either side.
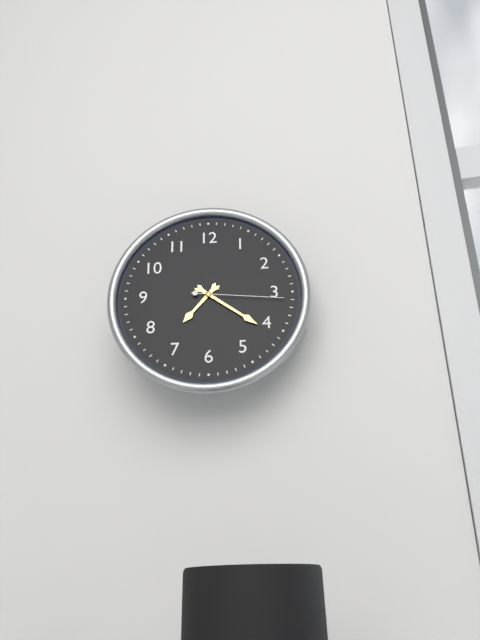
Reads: 7:21:16
